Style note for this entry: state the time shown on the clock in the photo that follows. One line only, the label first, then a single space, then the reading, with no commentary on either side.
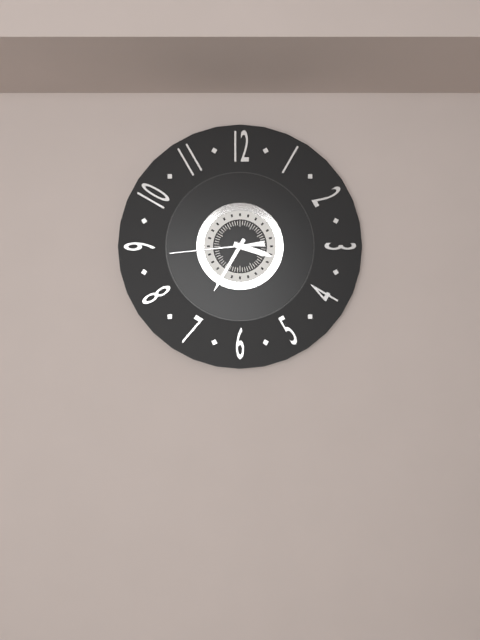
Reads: 3:35:44
